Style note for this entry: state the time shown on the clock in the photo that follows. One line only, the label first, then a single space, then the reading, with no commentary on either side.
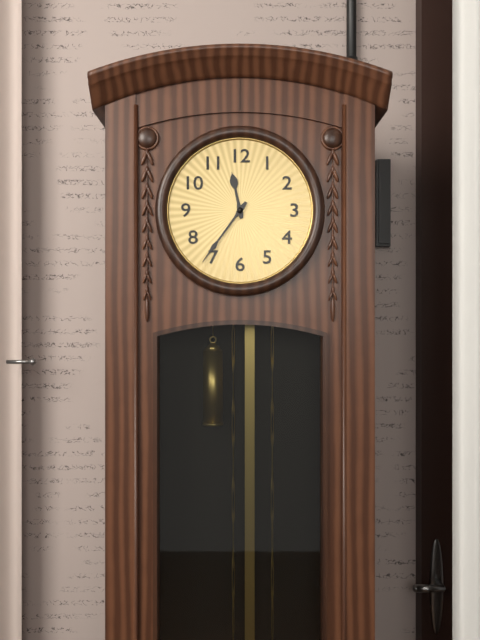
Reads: 11:36
